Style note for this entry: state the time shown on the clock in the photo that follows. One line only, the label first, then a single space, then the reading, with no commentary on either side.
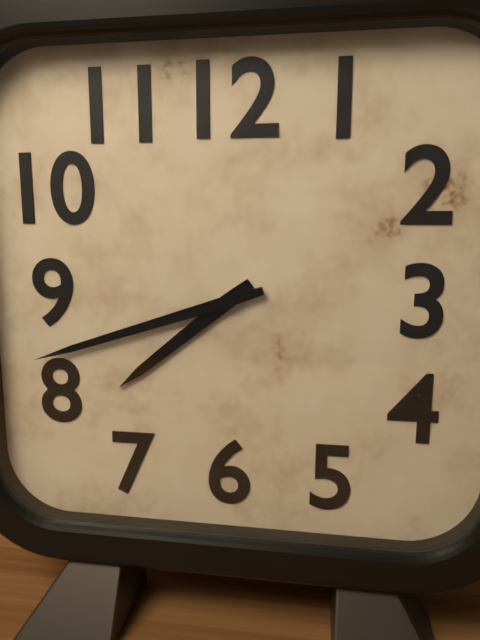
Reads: 7:42
